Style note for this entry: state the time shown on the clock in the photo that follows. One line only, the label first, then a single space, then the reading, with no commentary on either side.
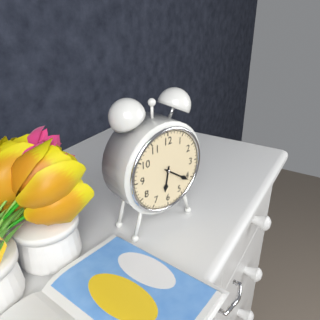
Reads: 6:21
